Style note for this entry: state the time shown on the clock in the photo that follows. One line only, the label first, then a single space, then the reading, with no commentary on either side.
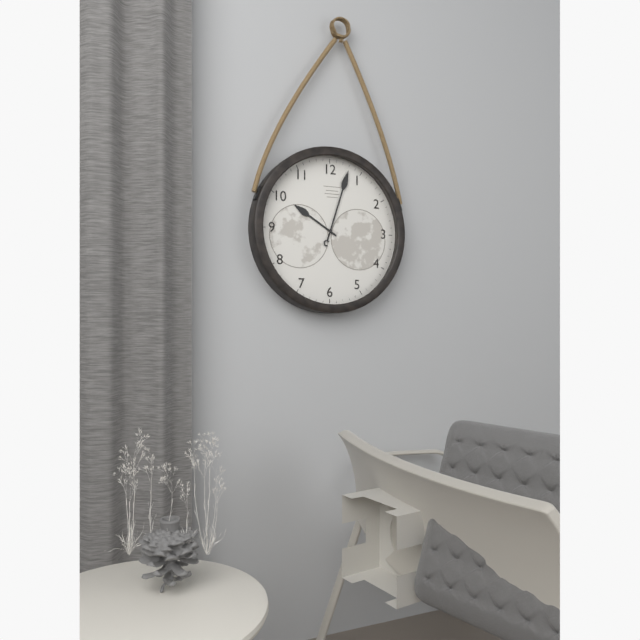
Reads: 10:03
